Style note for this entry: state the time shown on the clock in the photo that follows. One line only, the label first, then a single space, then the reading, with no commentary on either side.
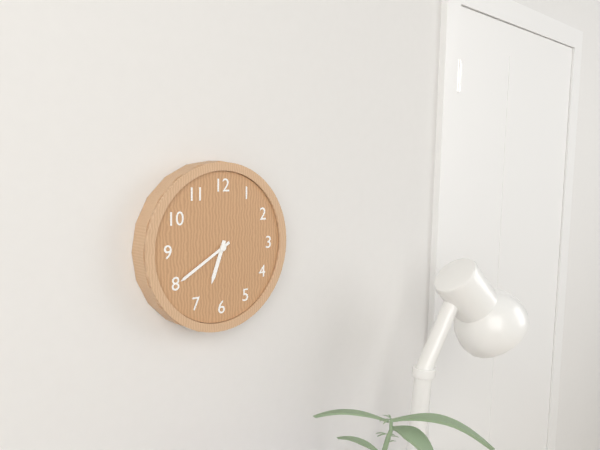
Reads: 6:40
